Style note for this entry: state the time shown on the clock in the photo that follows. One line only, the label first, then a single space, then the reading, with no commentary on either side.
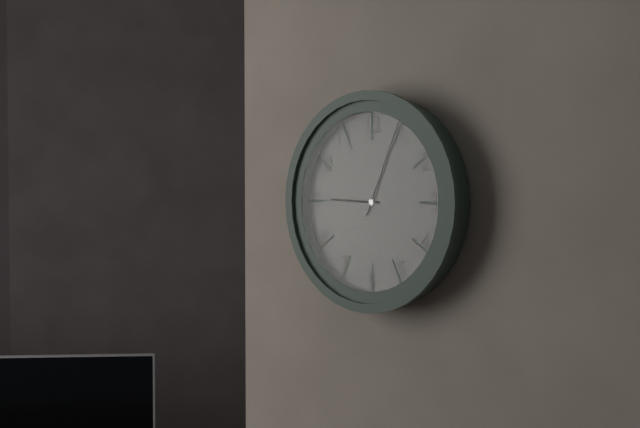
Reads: 9:04
